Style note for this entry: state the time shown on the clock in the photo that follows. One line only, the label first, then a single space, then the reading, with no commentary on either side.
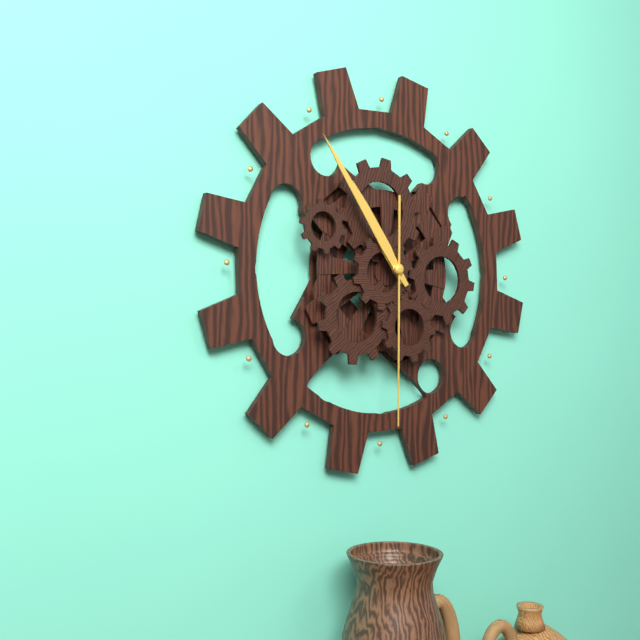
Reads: 10:54:30
